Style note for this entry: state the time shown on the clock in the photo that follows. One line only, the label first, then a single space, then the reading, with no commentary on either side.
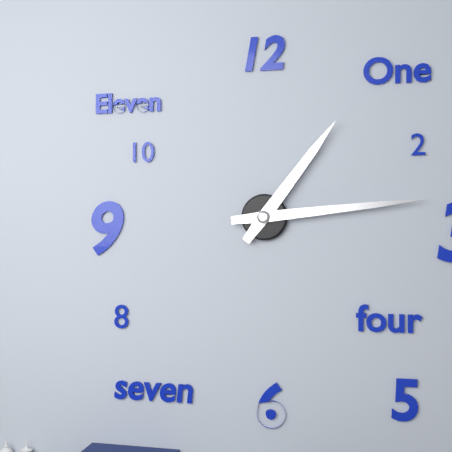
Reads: 1:14
